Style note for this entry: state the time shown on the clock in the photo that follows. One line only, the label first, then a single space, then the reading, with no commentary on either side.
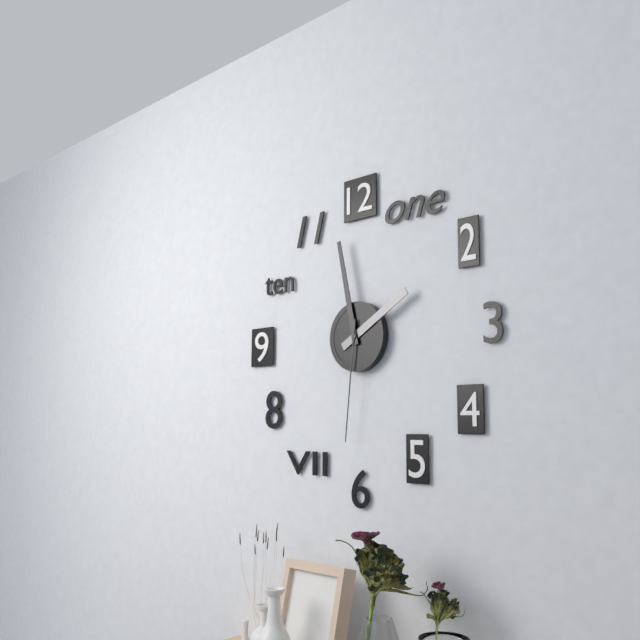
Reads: 1:58:31
